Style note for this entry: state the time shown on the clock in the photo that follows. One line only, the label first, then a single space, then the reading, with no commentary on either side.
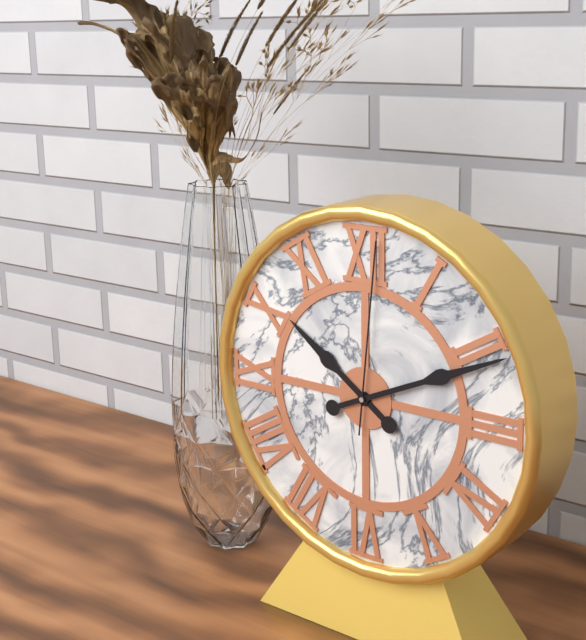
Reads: 10:11:01
